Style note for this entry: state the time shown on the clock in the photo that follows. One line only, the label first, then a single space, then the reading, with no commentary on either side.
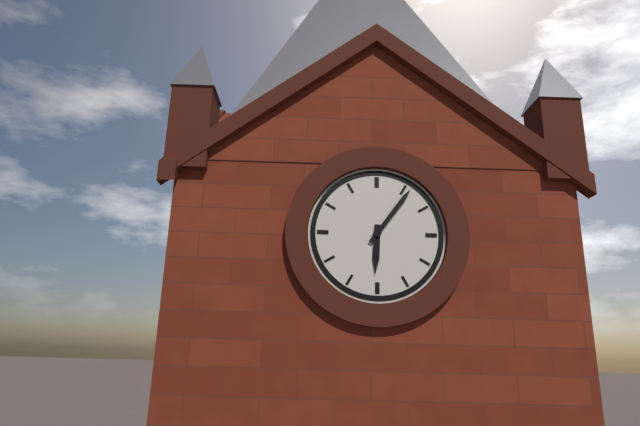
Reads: 6:06
